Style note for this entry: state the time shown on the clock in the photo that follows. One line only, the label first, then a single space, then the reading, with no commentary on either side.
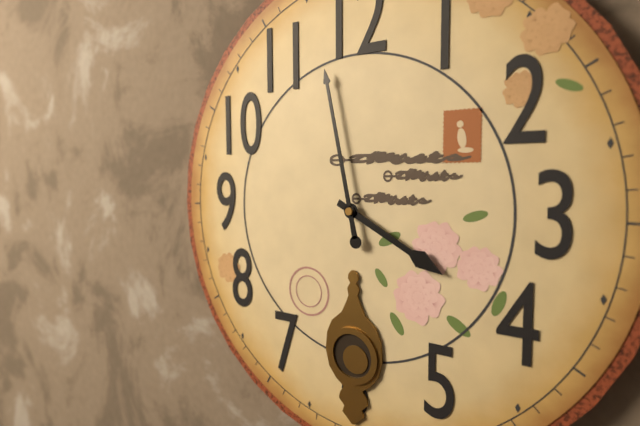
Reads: 3:58
